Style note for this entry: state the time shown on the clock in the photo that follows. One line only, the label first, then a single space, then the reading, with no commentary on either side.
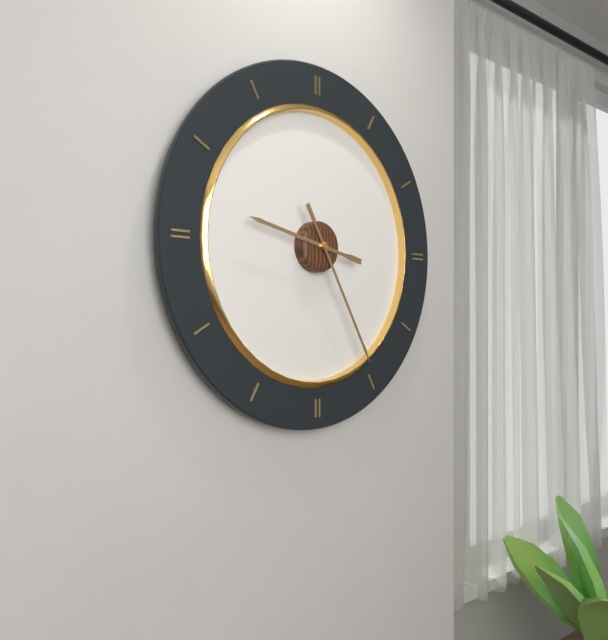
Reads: 9:25
